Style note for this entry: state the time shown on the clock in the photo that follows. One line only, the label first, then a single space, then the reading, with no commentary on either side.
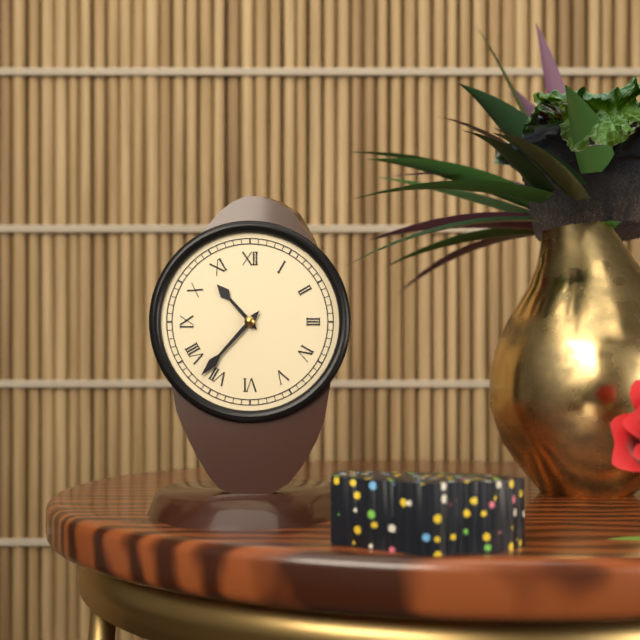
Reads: 10:37
